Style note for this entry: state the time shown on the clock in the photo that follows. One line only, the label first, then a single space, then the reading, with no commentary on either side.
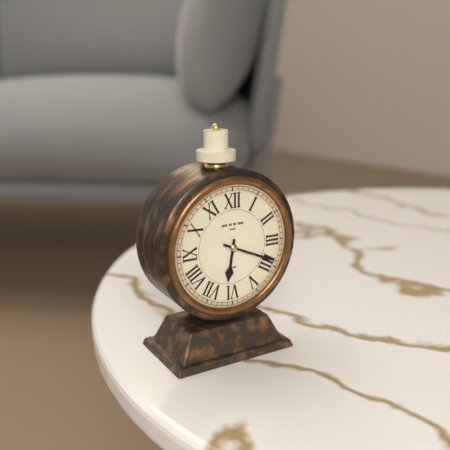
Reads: 6:19
